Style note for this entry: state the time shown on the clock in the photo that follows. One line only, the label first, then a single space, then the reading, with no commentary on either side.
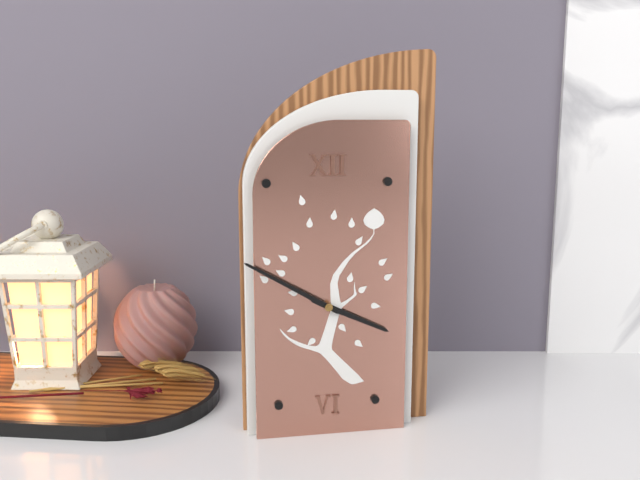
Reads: 3:50
